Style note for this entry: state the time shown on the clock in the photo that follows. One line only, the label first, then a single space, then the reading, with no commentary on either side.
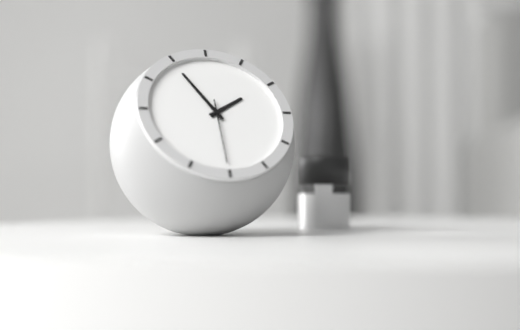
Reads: 1:55
